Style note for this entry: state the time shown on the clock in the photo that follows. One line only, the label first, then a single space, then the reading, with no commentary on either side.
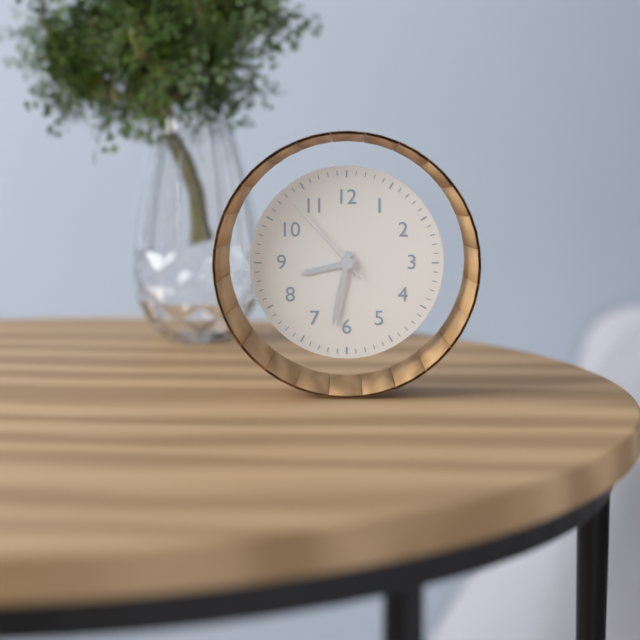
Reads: 8:32:53
